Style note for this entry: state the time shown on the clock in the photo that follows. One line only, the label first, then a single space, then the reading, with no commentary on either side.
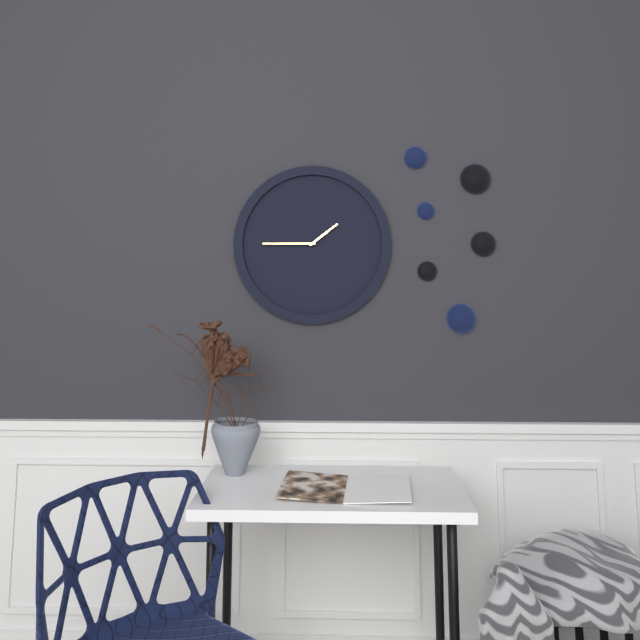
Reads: 1:45
